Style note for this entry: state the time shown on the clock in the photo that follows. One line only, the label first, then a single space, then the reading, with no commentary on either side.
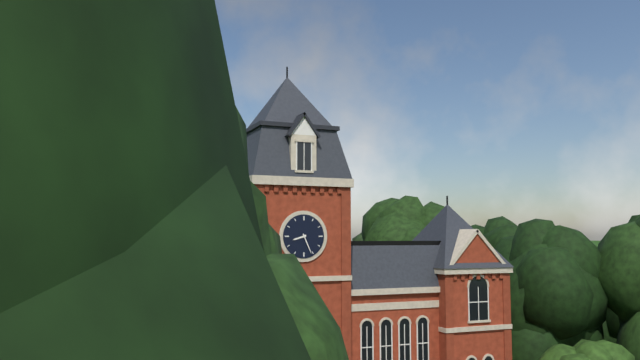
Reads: 8:26
